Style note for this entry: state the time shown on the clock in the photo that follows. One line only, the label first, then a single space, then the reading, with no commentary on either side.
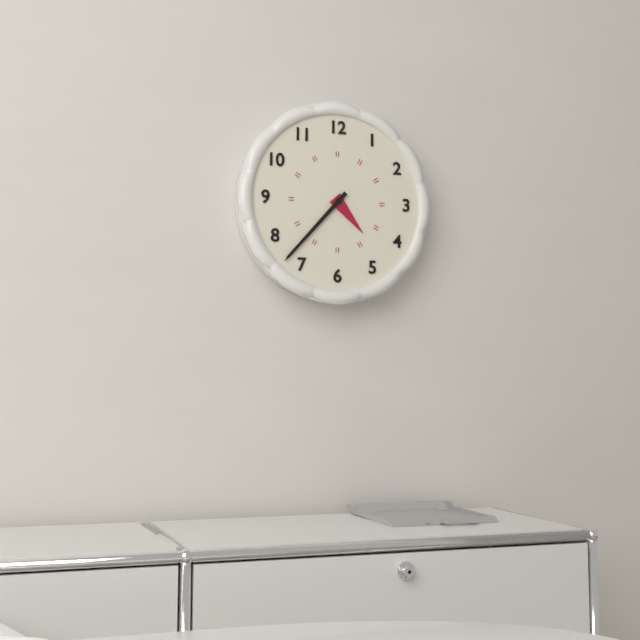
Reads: 4:37
